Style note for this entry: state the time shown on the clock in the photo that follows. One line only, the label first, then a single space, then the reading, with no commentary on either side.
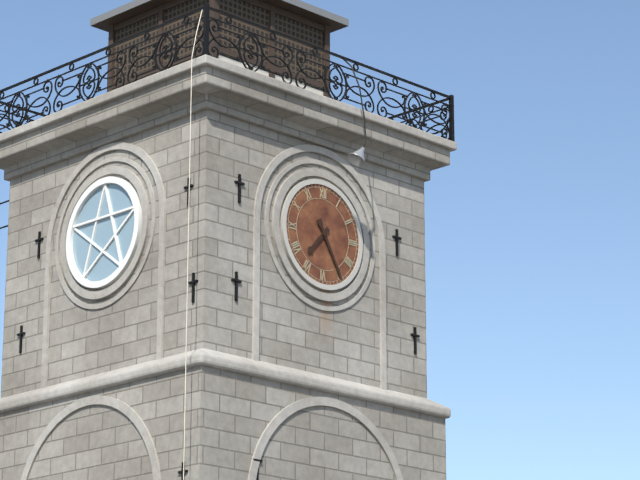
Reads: 7:25
